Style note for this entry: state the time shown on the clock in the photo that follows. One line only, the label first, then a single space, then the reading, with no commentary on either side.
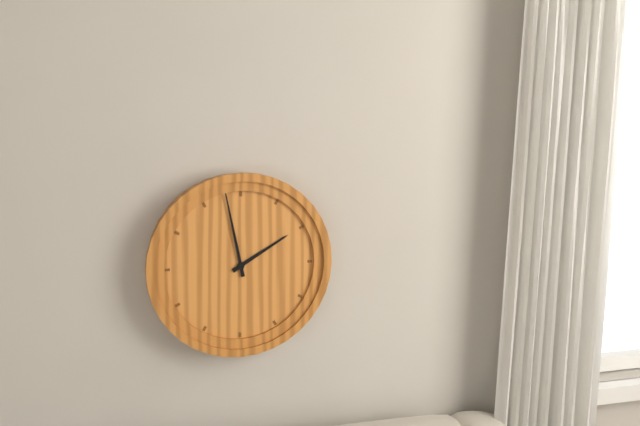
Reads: 1:58
